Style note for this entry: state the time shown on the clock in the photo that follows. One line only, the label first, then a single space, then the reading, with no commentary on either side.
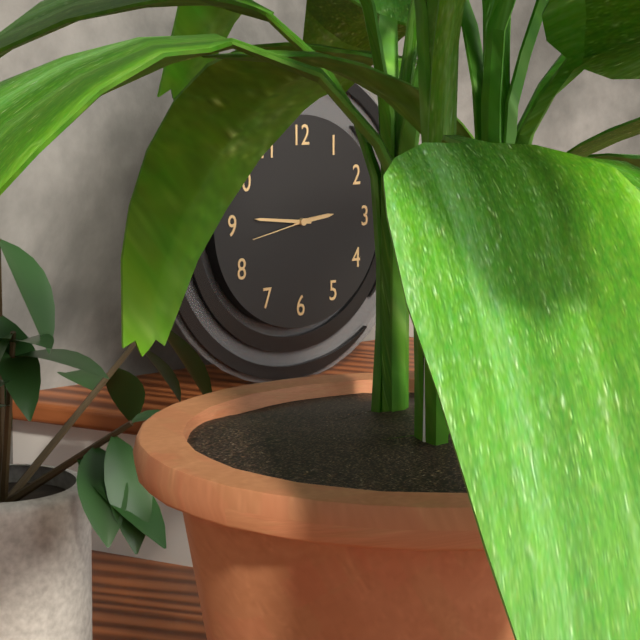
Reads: 2:46:43
